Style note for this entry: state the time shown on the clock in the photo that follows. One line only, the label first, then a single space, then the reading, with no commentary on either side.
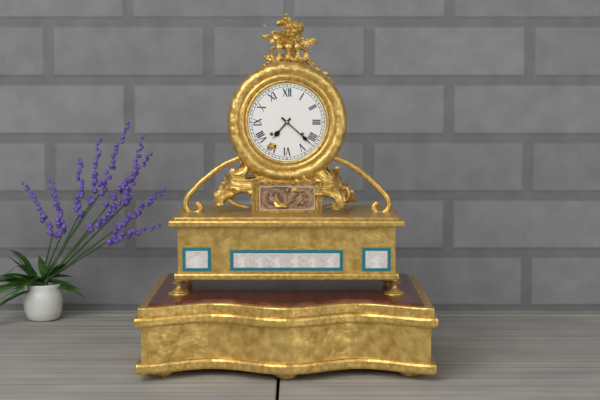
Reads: 7:22
